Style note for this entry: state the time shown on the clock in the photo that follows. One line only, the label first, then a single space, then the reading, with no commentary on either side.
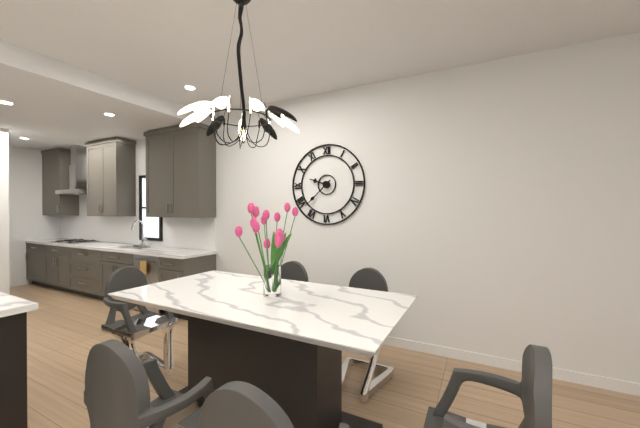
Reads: 9:38
